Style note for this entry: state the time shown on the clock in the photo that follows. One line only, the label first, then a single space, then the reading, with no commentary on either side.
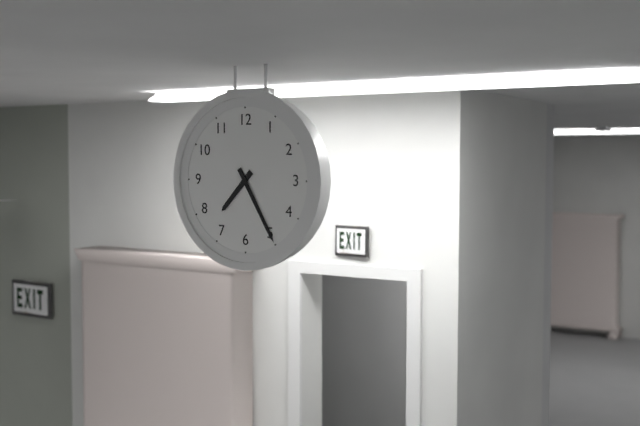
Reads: 7:25
